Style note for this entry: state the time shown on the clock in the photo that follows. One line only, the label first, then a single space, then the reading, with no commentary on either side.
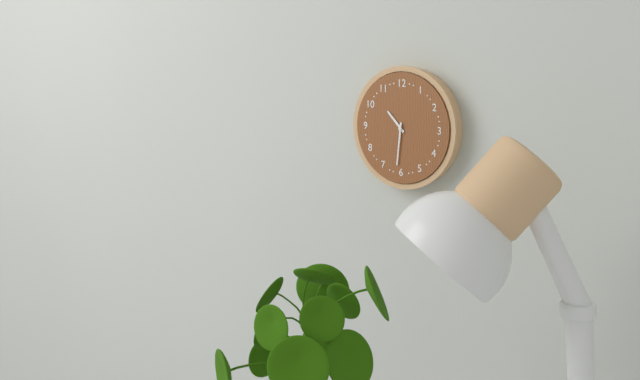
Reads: 10:31
